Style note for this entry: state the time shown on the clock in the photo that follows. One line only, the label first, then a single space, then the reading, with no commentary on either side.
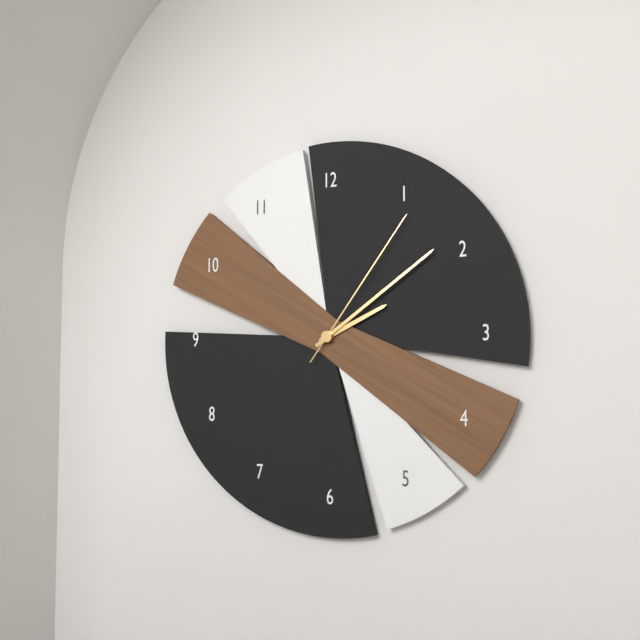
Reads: 2:09:06
